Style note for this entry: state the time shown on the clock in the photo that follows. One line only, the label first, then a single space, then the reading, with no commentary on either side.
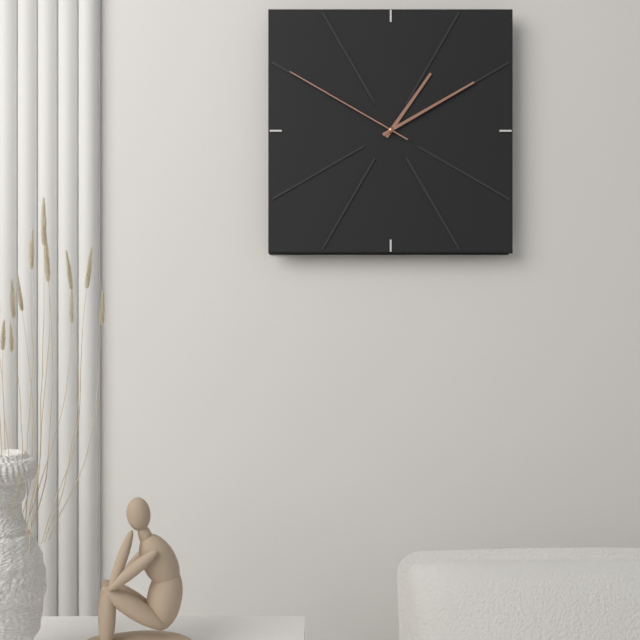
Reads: 1:10:50
